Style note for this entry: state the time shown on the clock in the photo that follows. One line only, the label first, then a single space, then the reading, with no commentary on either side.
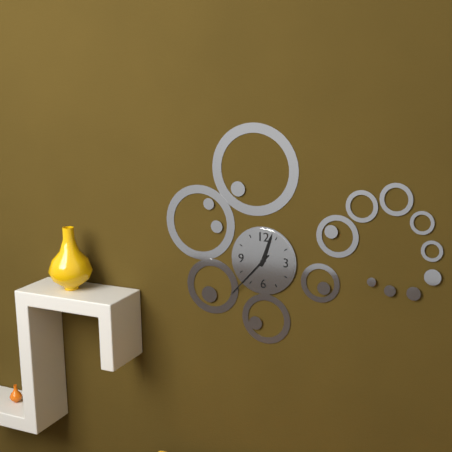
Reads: 12:37
